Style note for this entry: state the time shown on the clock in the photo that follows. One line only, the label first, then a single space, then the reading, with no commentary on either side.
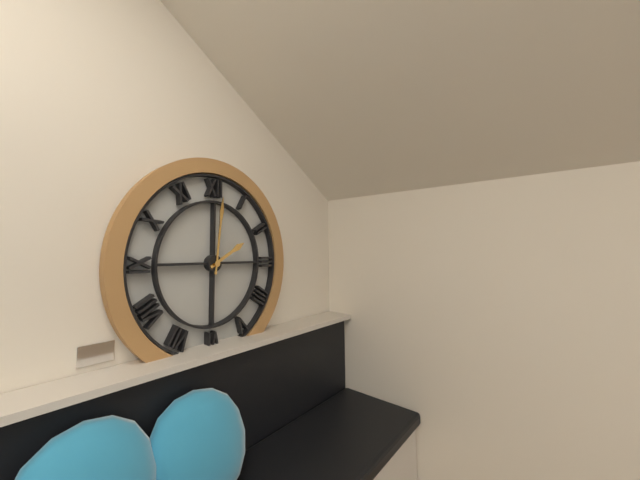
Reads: 2:01
